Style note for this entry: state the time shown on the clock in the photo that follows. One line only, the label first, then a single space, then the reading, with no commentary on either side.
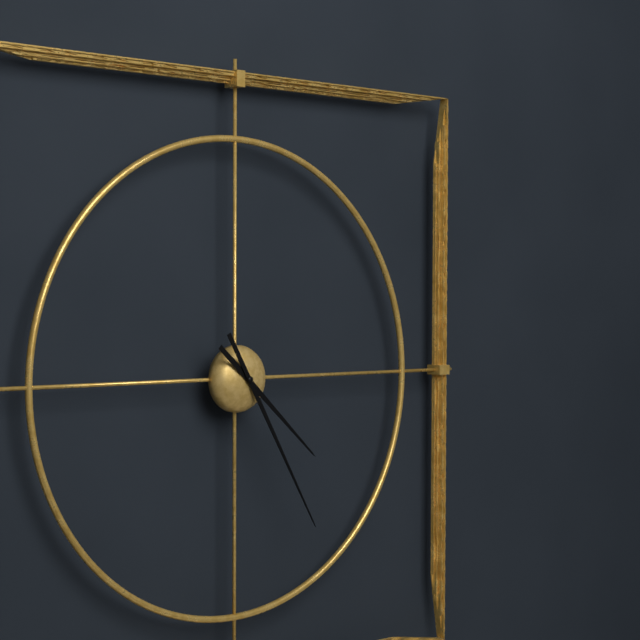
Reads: 4:25
